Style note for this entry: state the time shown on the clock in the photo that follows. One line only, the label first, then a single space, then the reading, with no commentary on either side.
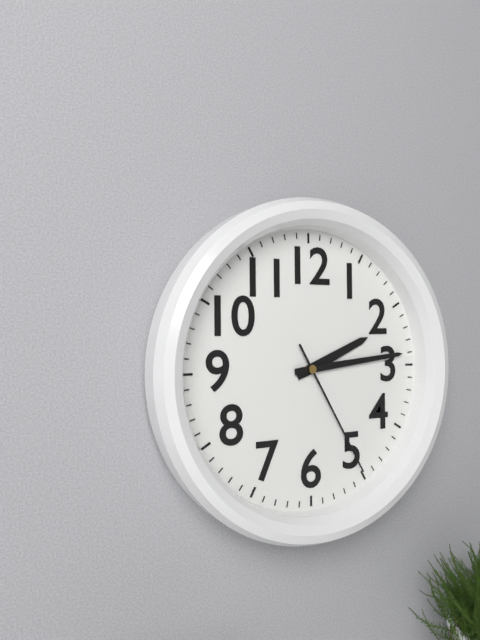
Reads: 2:14:25
